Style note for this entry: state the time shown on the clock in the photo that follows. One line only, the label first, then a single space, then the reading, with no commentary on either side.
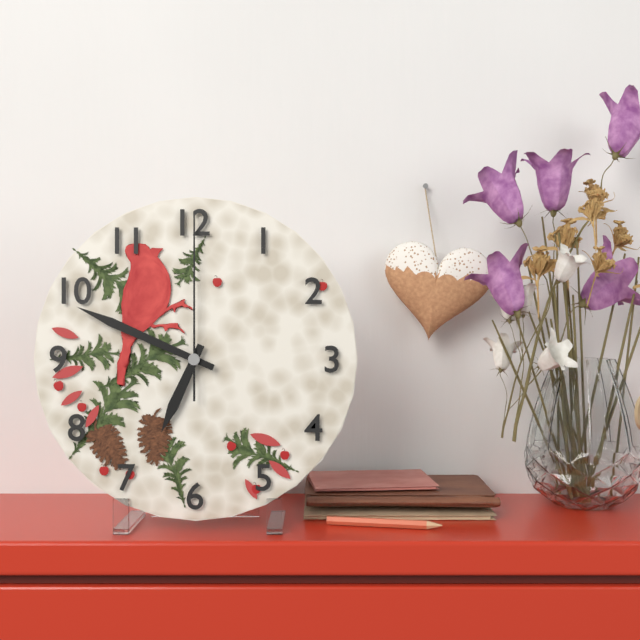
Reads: 6:49:00
